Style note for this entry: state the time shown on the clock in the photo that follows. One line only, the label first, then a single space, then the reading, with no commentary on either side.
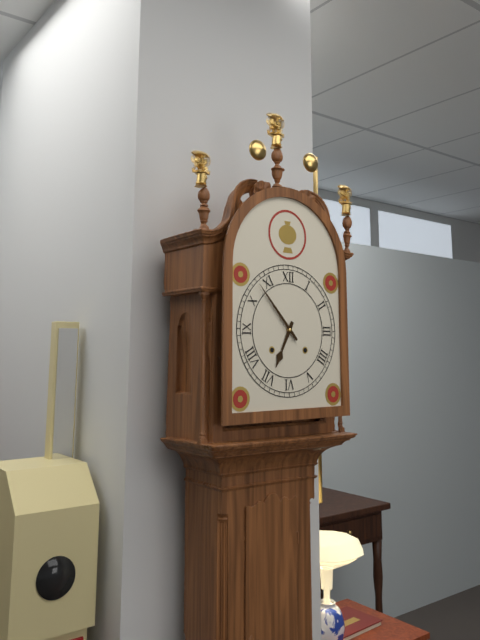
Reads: 6:53
